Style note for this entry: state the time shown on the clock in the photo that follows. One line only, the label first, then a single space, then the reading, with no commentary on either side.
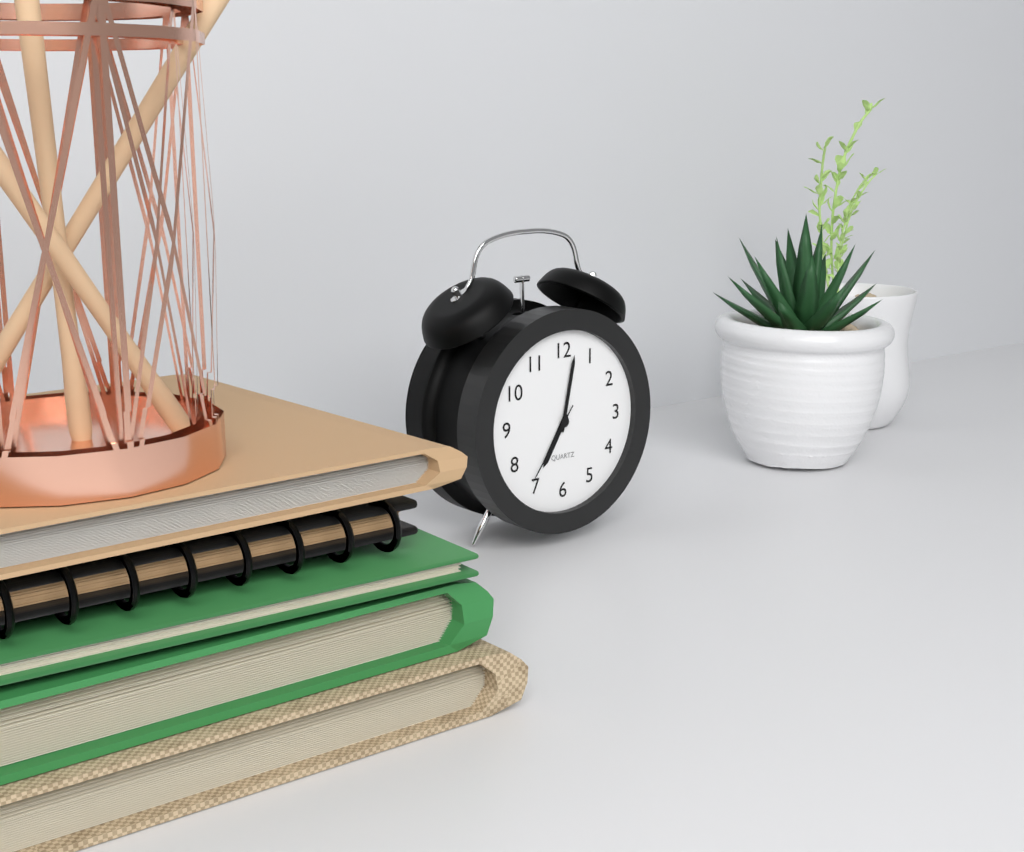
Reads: 7:02:36
